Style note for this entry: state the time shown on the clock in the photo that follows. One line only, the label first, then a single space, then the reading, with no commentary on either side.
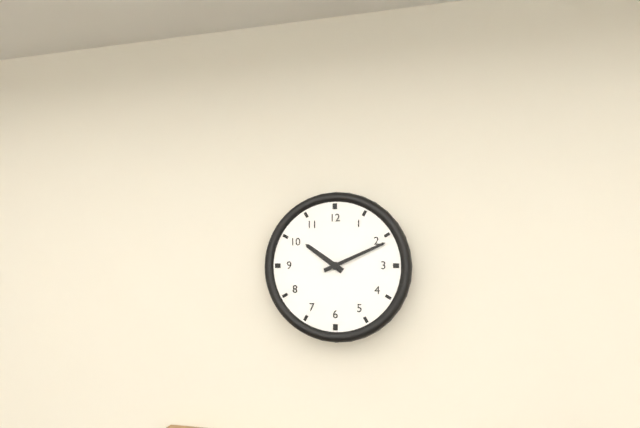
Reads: 10:11
